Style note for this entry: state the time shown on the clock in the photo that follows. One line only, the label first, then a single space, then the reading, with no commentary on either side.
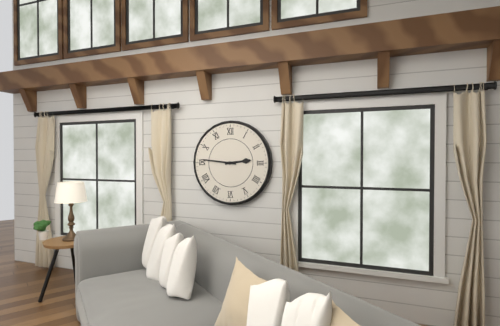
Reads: 2:46
